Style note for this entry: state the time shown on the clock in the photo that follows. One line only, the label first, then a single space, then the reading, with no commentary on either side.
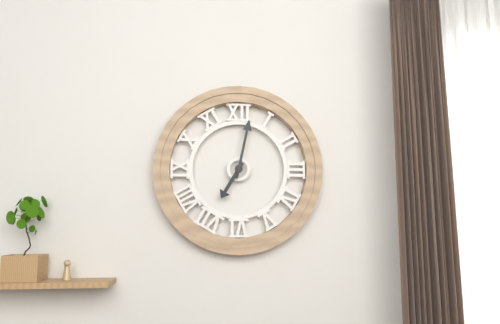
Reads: 7:02
